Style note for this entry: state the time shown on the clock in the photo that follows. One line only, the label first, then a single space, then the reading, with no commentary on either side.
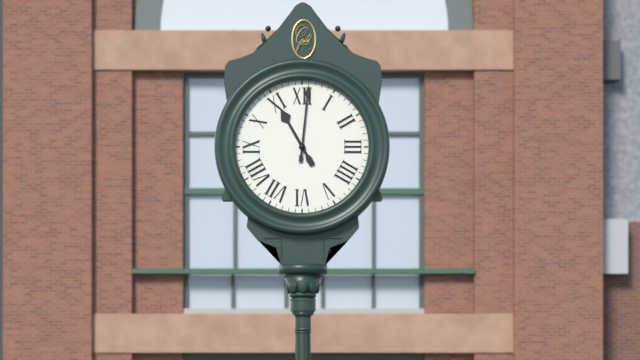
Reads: 11:01
